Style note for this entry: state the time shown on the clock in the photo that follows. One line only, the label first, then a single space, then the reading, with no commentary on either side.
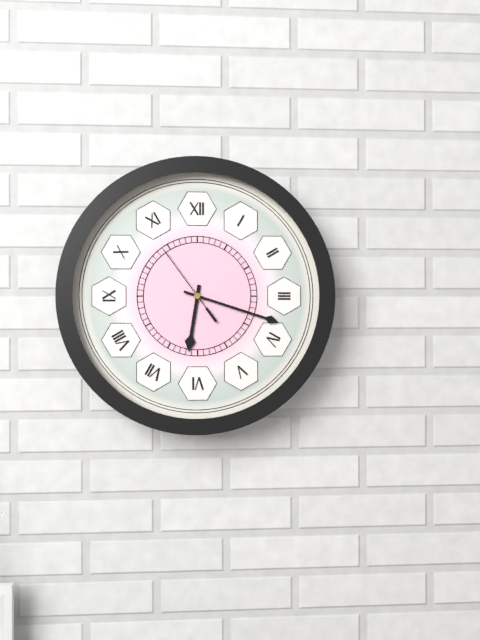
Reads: 6:18:54
